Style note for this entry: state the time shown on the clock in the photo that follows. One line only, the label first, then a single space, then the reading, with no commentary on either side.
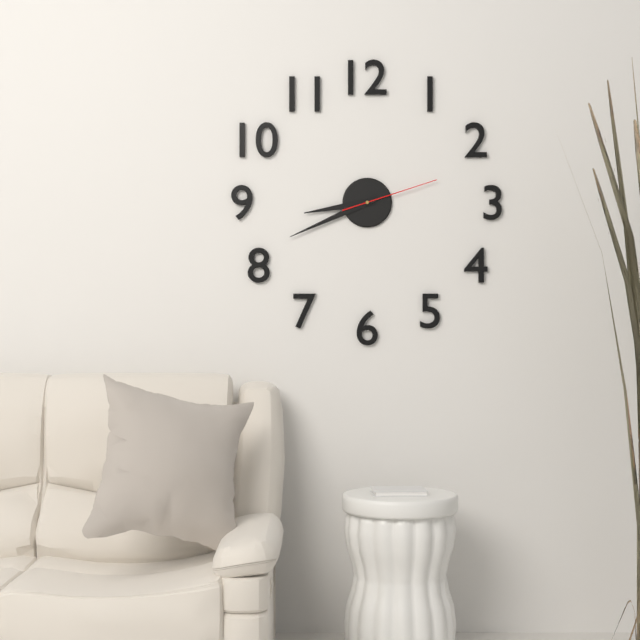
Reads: 8:41:12
